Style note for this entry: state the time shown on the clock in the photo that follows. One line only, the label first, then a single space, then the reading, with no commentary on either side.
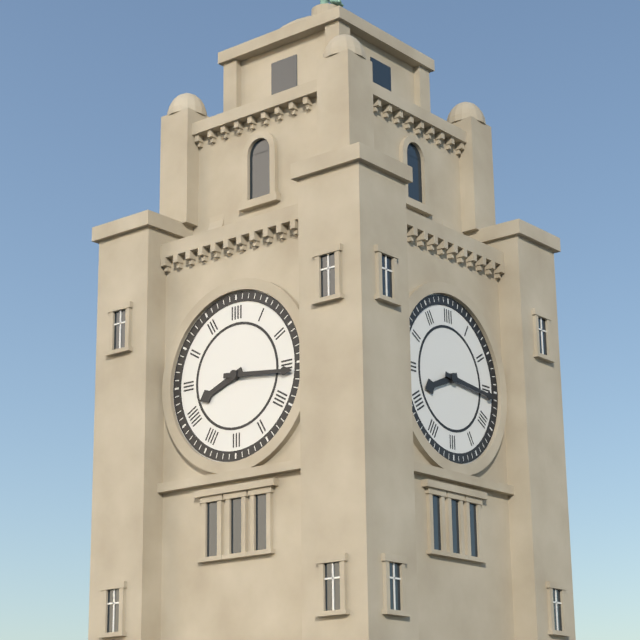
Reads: 8:16
